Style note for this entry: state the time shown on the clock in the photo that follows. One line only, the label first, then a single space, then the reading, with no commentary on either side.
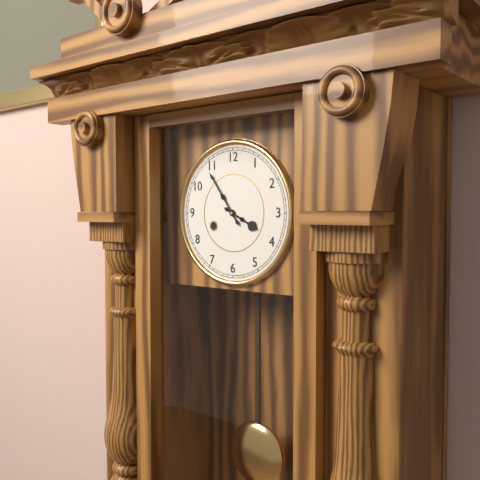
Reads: 3:54
